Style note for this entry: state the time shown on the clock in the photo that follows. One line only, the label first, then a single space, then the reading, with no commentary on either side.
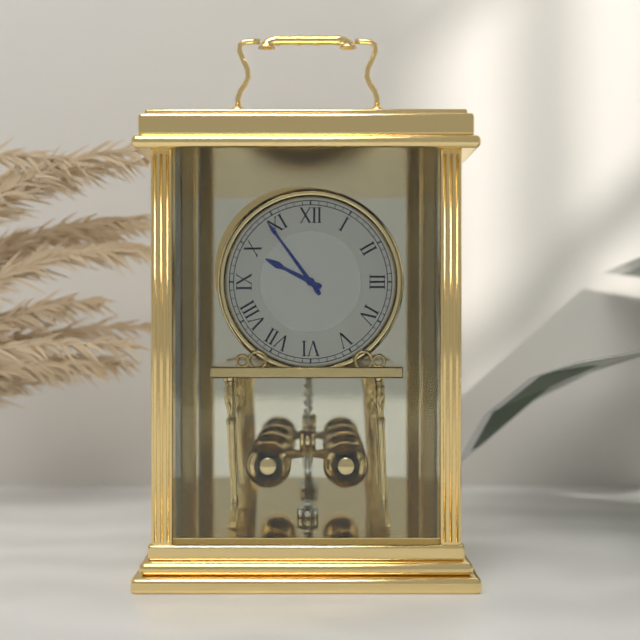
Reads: 9:54
